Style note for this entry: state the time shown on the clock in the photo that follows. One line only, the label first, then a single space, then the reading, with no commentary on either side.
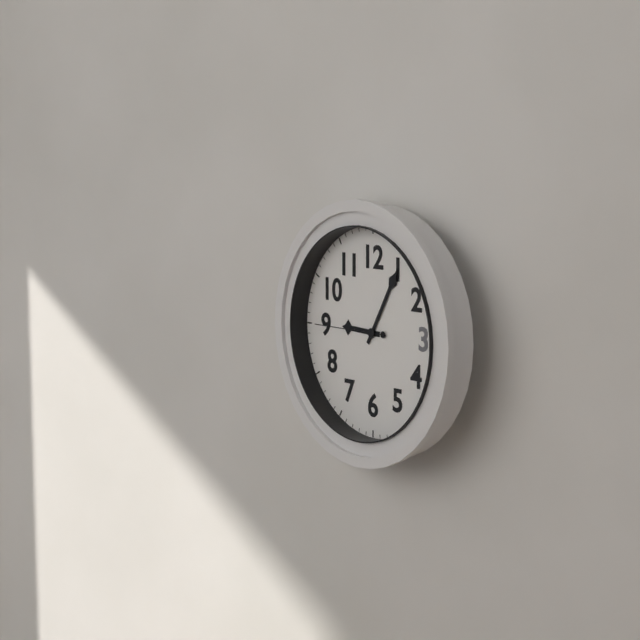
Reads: 9:05:45
